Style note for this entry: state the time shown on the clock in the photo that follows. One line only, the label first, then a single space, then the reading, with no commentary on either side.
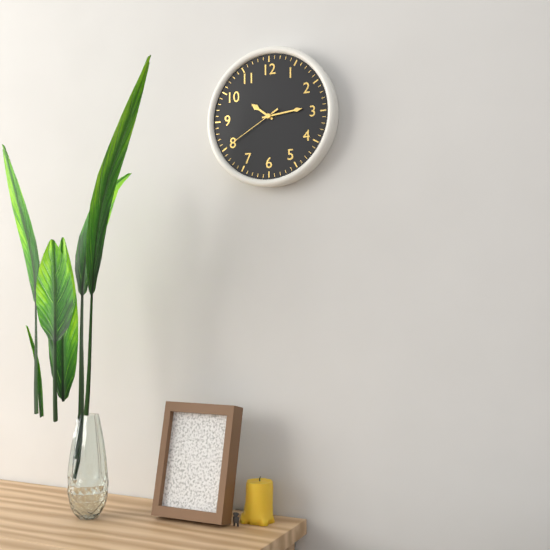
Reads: 10:14:40
